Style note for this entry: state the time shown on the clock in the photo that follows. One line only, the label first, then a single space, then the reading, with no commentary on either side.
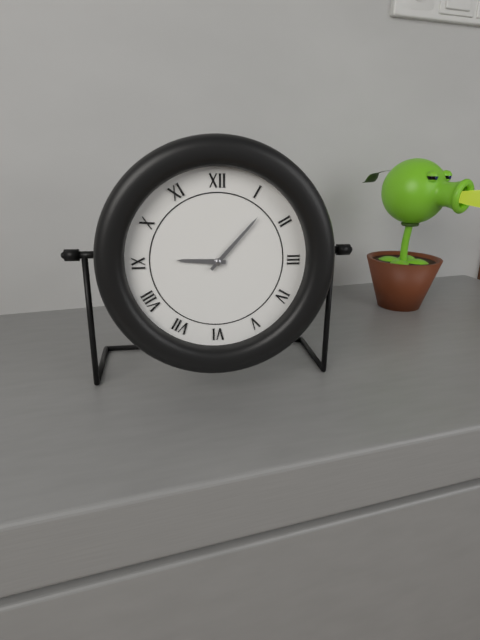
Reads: 9:07
